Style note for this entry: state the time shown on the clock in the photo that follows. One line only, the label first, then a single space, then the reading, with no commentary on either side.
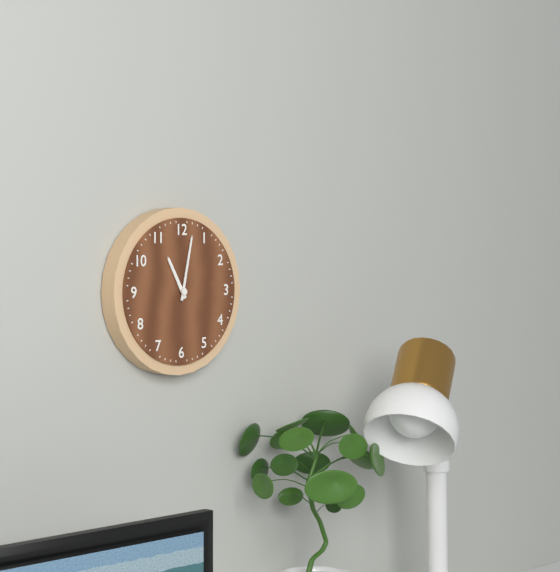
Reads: 11:02
